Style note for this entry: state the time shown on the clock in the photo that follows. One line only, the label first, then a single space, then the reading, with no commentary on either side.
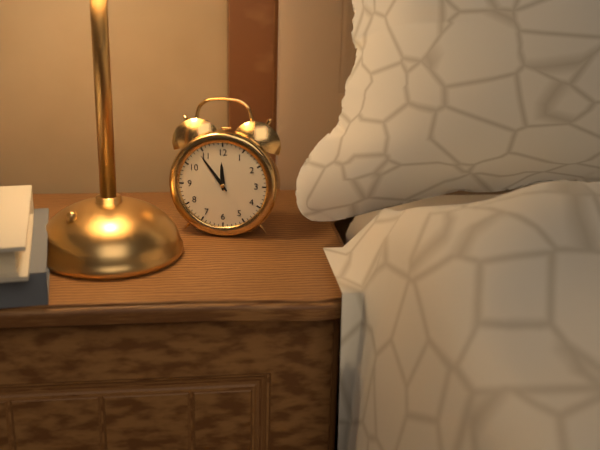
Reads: 11:54
